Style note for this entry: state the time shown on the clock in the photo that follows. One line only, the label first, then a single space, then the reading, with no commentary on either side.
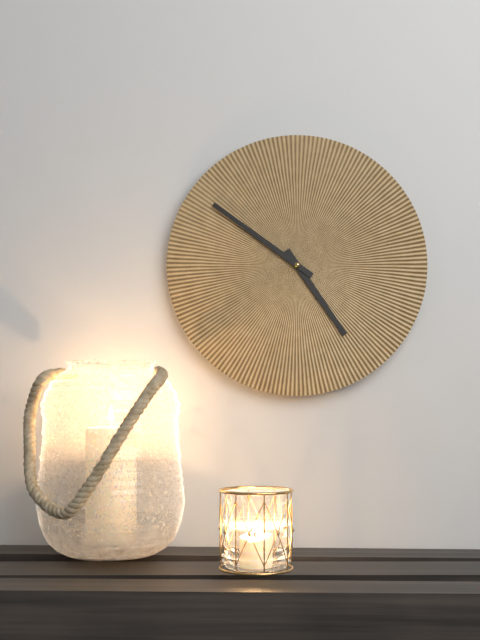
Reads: 4:51
